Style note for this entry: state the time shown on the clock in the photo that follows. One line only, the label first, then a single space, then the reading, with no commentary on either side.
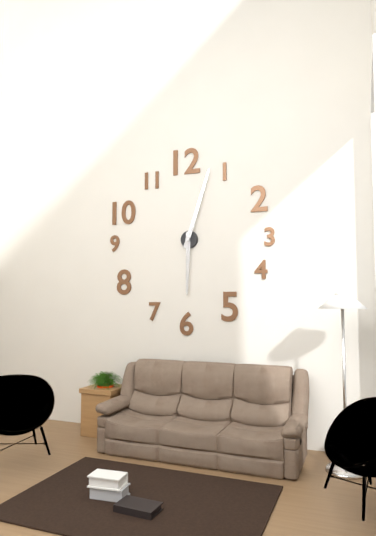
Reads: 6:03
